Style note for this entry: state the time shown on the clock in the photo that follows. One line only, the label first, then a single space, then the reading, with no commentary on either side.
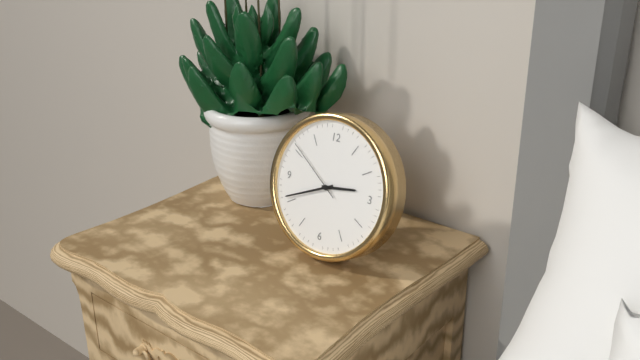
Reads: 2:41:51
